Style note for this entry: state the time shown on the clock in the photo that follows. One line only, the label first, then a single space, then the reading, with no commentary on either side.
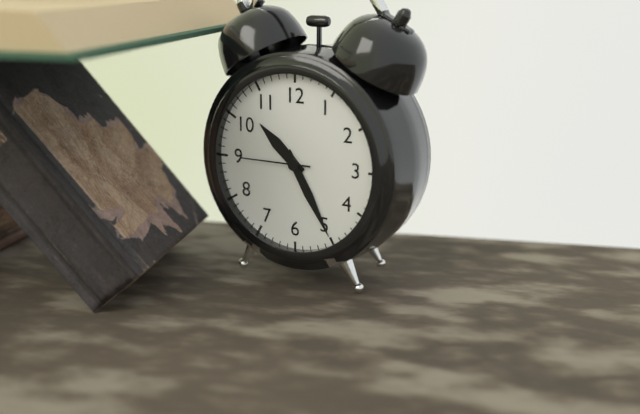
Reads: 10:25:45
